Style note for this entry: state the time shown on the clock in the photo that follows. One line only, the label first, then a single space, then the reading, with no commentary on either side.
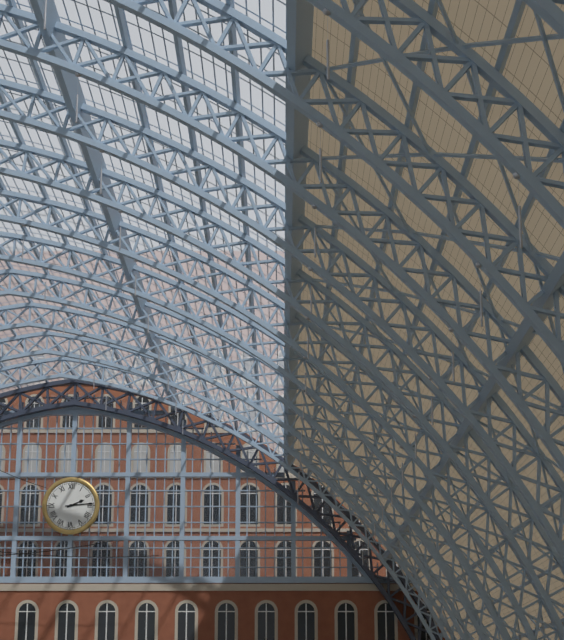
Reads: 2:14
